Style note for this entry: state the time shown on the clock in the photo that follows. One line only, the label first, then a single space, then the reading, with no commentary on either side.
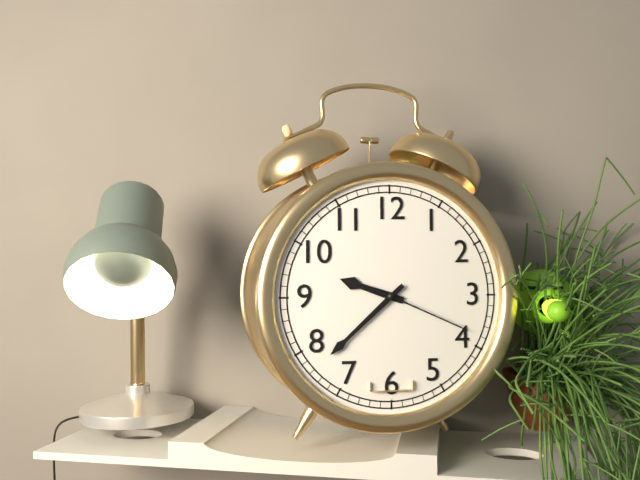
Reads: 9:38:19
